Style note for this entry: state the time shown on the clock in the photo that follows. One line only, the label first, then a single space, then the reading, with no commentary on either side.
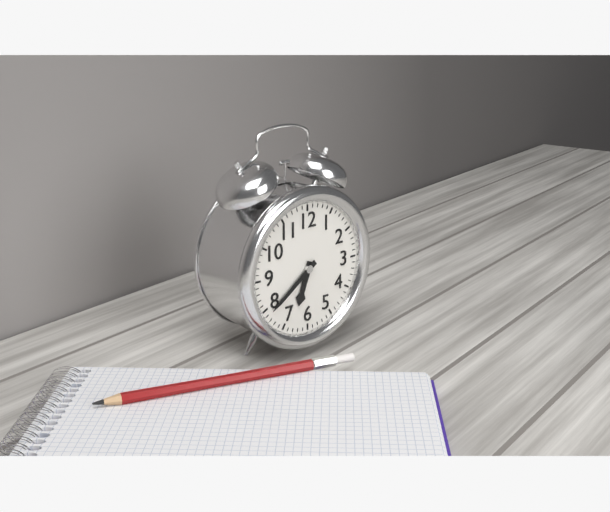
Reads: 6:39
